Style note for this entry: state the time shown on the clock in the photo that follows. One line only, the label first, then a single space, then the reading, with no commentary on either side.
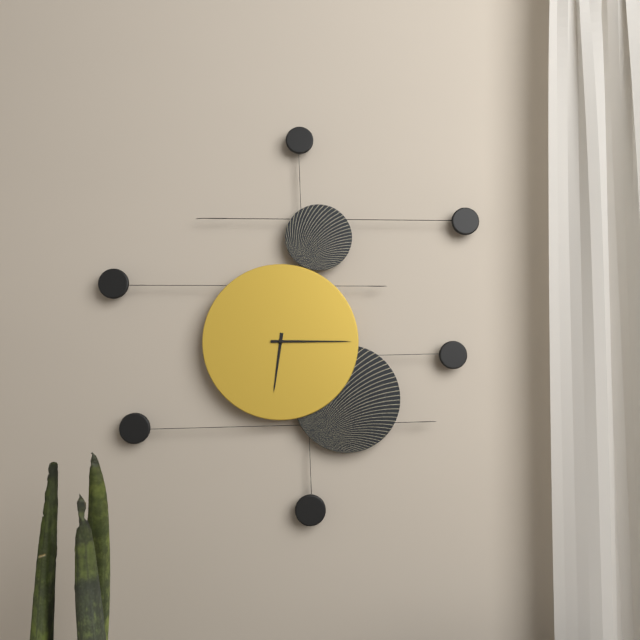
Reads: 6:15
